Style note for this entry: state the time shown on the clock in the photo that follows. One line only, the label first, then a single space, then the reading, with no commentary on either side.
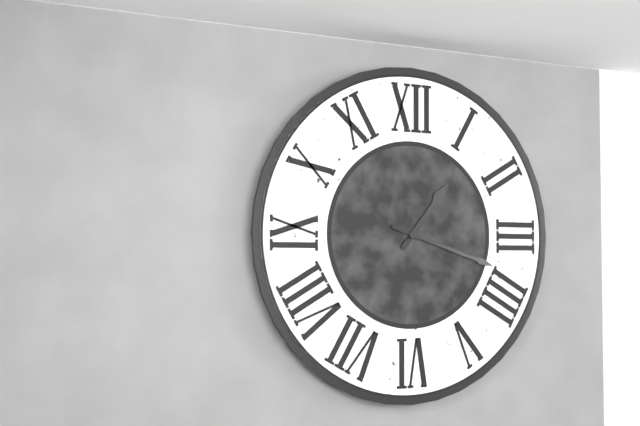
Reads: 1:18
